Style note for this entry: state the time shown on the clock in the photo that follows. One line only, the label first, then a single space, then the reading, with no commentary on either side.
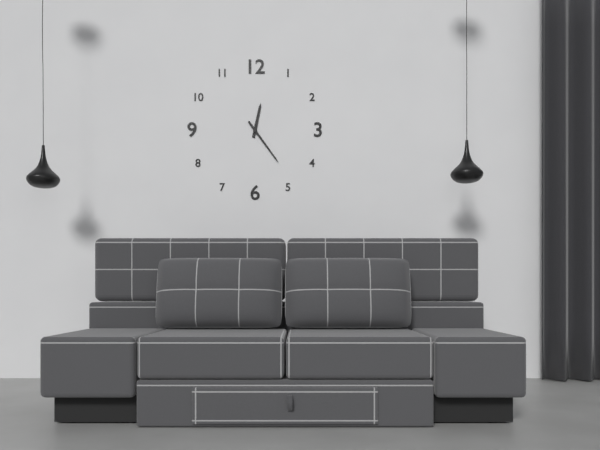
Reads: 12:24
